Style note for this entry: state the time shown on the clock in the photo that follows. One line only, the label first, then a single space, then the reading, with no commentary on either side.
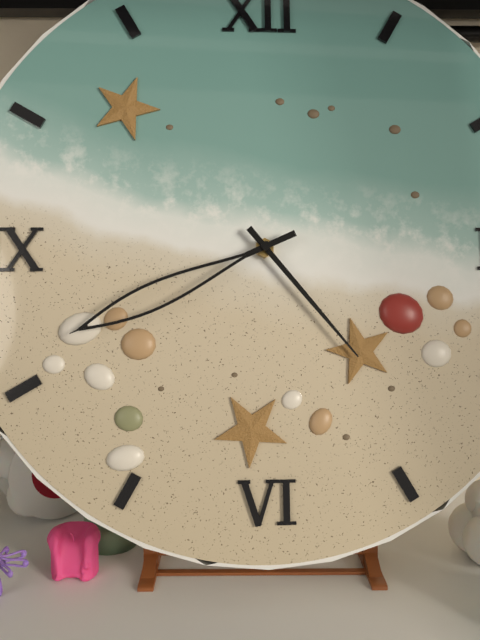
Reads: 4:41
